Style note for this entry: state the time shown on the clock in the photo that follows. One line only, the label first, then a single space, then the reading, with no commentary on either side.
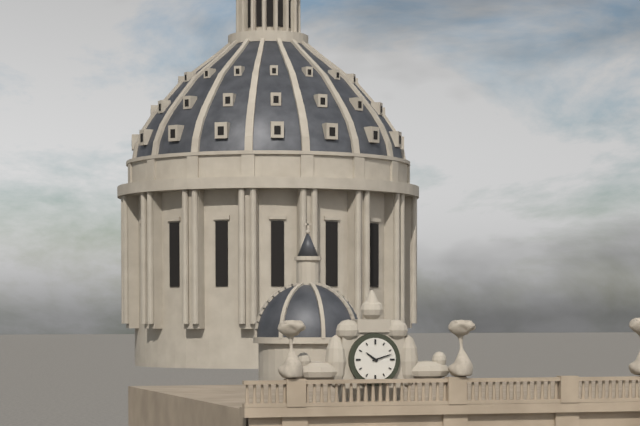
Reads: 10:12
